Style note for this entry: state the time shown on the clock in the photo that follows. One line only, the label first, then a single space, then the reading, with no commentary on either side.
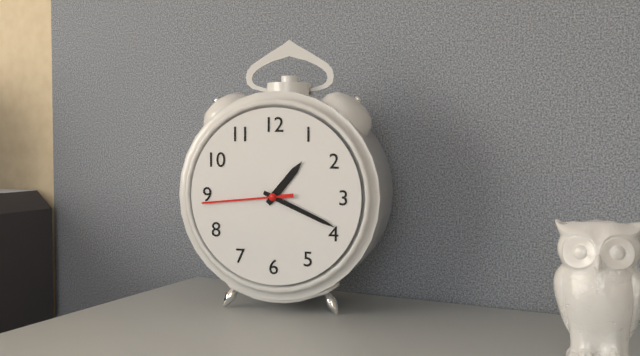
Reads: 1:19:44
